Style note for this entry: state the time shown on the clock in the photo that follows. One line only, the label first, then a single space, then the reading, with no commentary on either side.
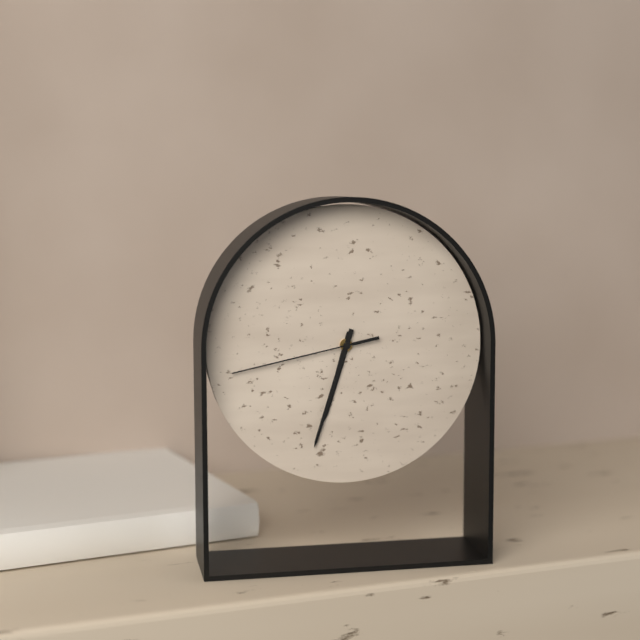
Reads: 6:33:43
